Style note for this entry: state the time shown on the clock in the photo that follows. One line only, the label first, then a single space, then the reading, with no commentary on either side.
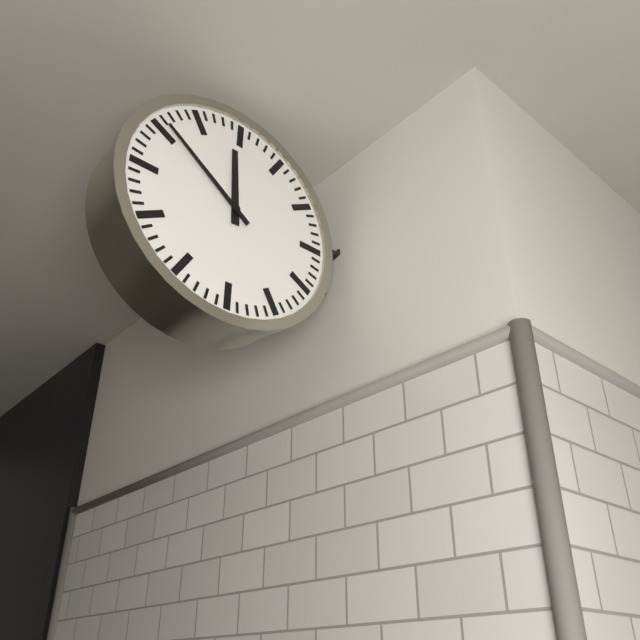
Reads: 11:51
